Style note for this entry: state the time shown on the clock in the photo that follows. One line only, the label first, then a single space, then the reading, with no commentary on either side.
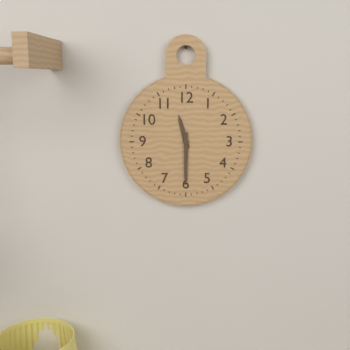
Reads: 11:30
